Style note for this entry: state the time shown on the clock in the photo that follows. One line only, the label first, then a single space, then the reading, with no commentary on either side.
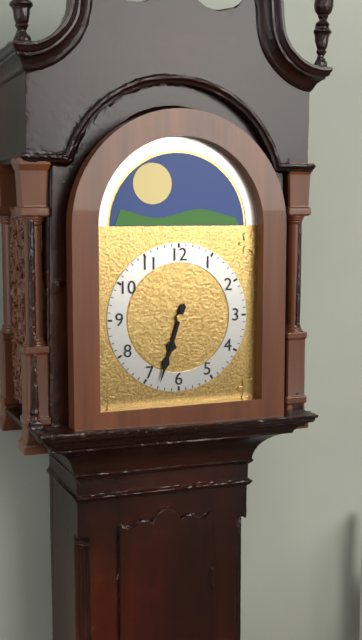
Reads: 6:33
